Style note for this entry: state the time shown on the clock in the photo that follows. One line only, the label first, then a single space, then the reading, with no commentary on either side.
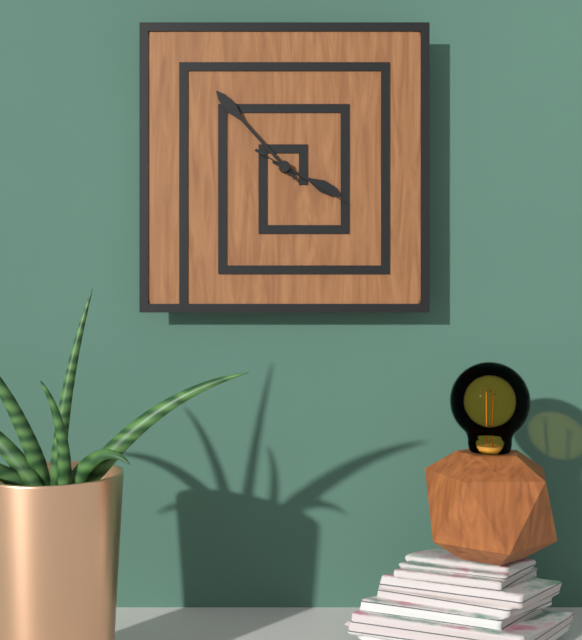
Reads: 3:53:20
